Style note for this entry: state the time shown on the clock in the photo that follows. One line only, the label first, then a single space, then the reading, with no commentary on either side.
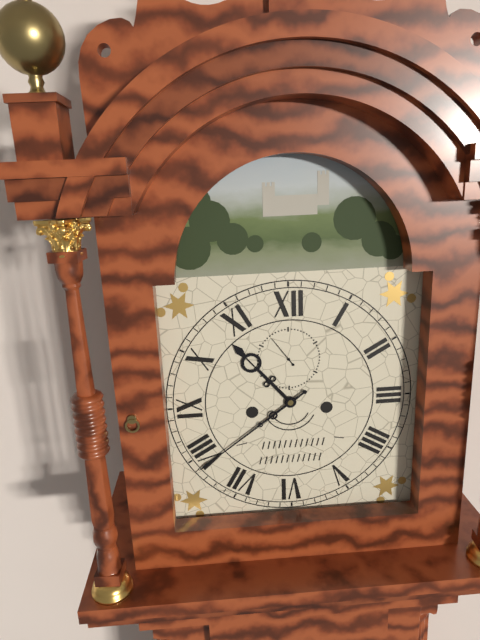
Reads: 10:39
